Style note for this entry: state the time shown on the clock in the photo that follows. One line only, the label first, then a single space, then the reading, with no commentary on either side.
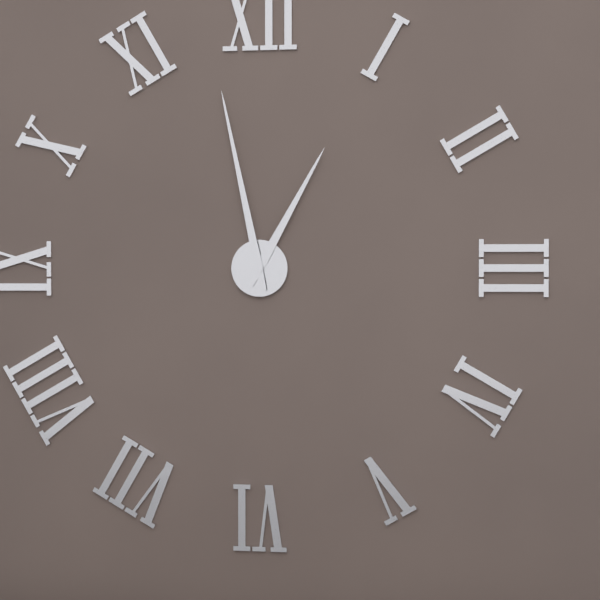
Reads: 12:58
